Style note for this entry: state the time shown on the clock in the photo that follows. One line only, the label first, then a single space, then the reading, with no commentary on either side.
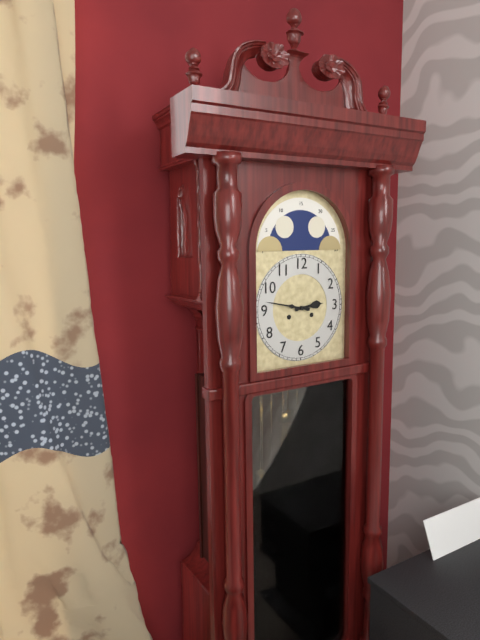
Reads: 2:47
